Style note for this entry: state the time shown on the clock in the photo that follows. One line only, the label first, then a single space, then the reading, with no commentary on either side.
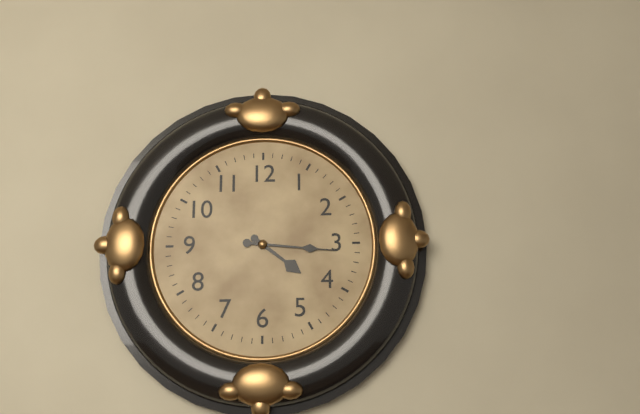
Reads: 4:16
